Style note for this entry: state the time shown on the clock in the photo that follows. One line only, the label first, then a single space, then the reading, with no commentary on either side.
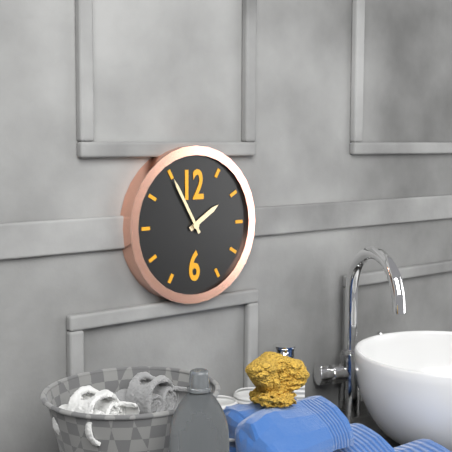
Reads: 1:55
